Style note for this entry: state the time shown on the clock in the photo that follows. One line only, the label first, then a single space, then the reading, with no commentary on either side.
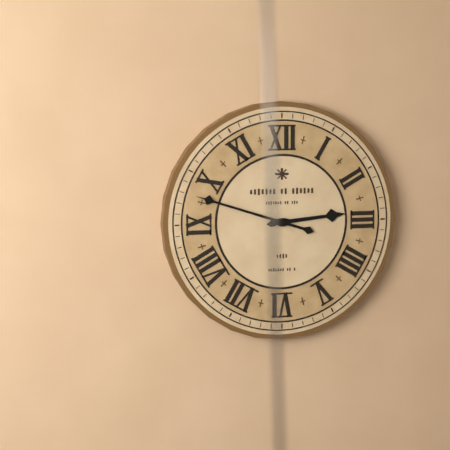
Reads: 2:48
